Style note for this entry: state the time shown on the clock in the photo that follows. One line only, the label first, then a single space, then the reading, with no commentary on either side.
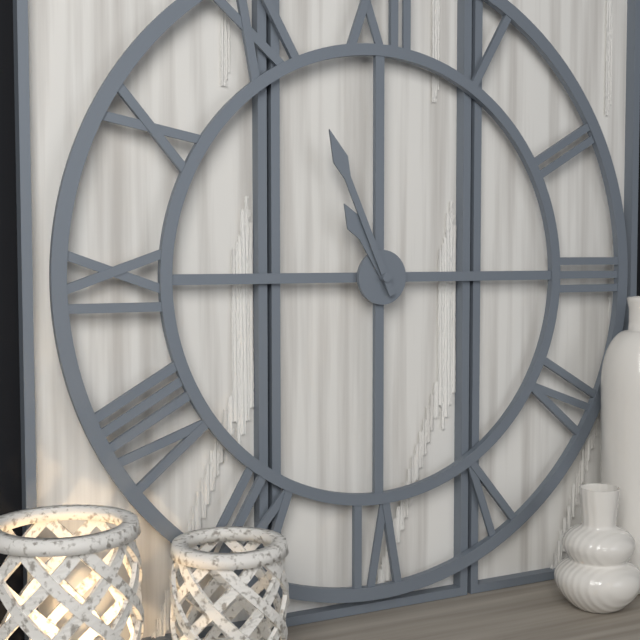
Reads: 10:56
